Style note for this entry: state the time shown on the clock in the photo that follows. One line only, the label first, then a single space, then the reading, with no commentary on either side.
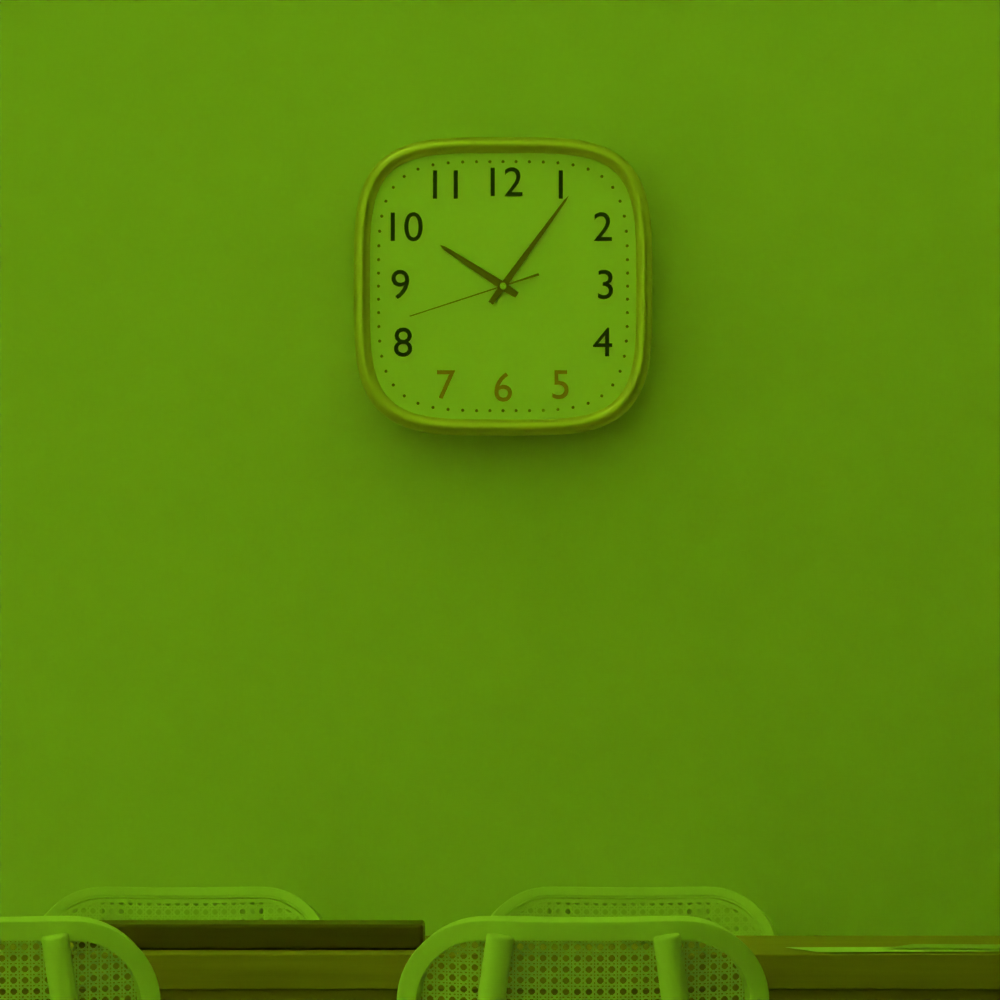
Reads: 10:06:42
